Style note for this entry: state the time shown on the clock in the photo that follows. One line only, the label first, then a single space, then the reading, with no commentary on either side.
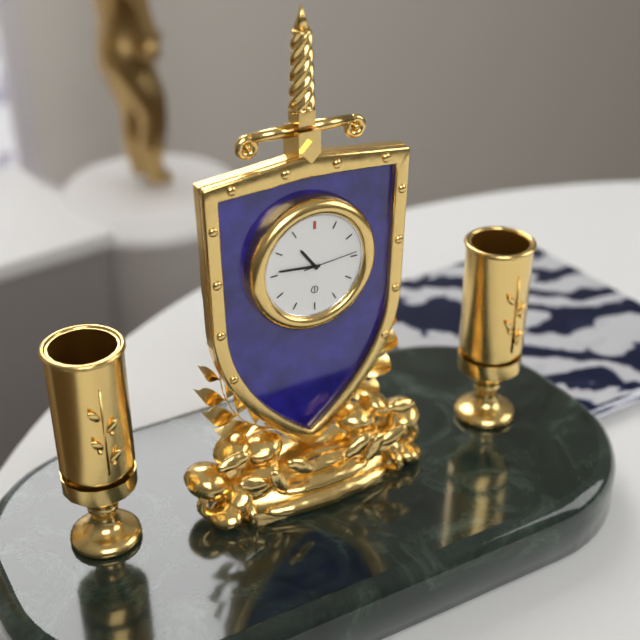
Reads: 10:46:14
